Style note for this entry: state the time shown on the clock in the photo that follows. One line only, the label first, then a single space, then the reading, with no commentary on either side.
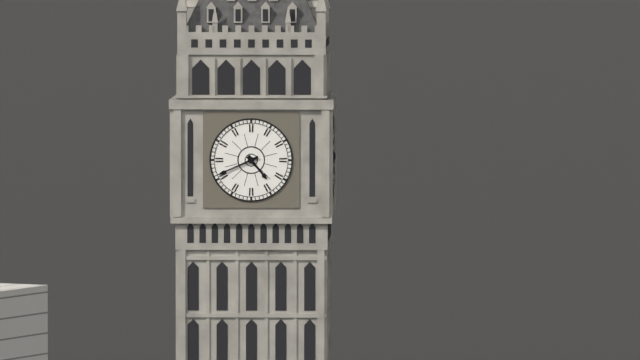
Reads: 4:41
